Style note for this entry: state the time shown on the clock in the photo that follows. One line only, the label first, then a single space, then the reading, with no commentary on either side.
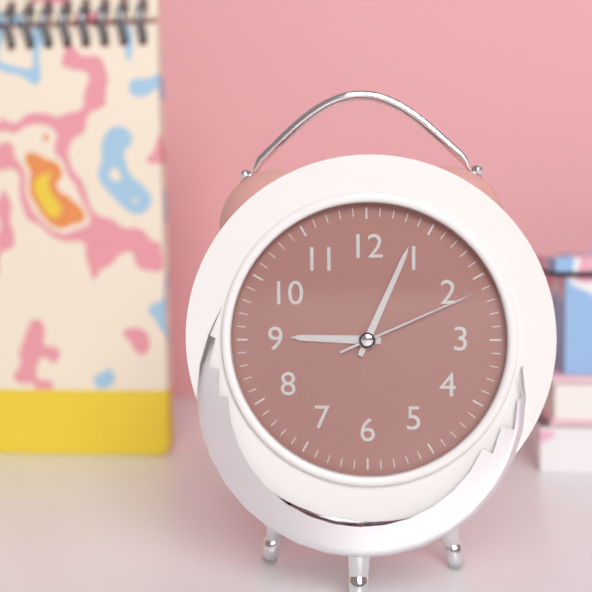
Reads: 9:04:11
